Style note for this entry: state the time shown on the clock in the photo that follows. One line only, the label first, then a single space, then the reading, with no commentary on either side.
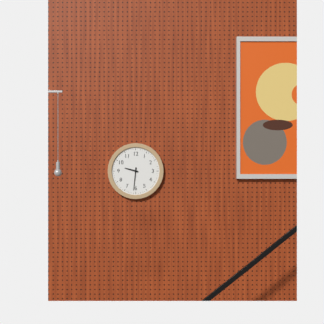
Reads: 9:31
